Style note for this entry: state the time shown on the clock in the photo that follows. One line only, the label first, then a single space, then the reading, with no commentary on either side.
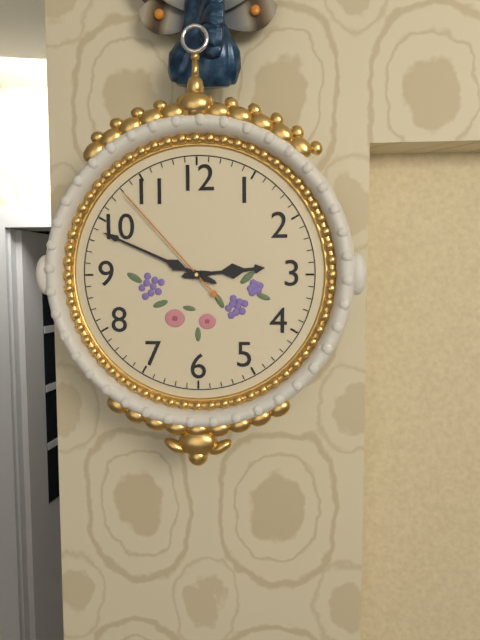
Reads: 2:49:53
